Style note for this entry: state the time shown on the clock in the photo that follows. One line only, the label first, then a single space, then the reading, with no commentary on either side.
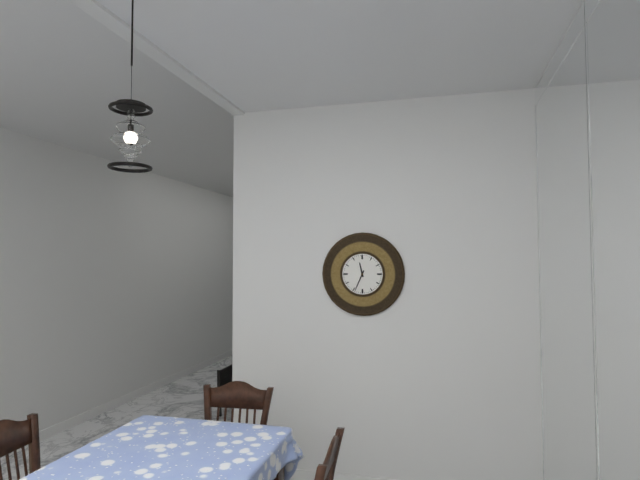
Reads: 11:34
